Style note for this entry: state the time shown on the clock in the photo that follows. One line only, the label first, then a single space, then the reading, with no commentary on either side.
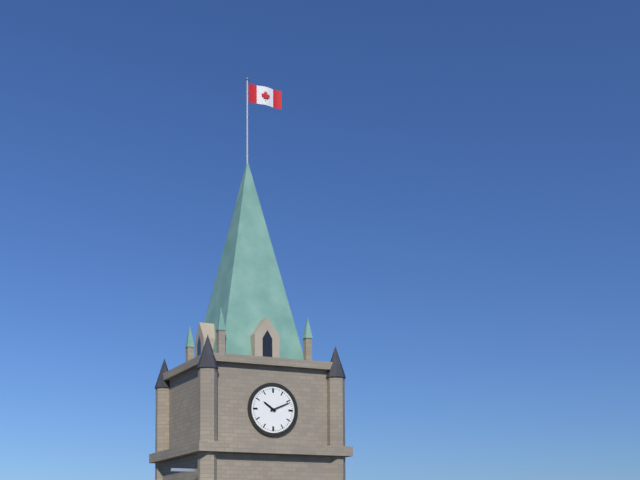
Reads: 10:11
